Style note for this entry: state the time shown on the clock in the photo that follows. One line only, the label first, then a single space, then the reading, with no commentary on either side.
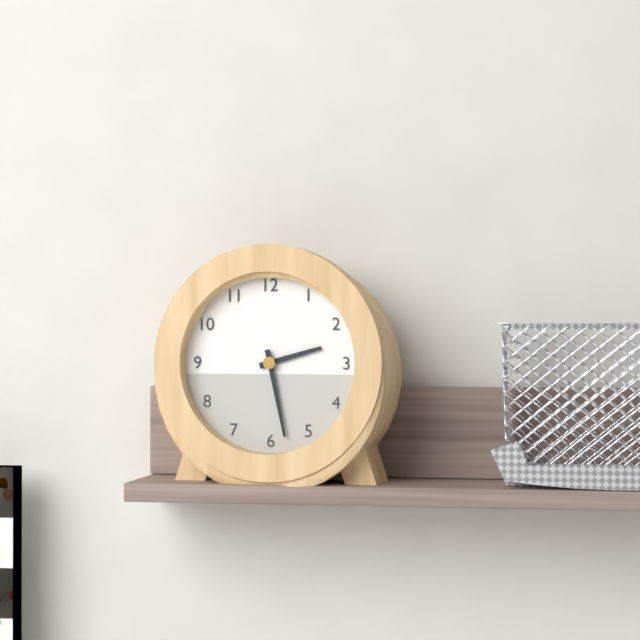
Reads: 2:28
